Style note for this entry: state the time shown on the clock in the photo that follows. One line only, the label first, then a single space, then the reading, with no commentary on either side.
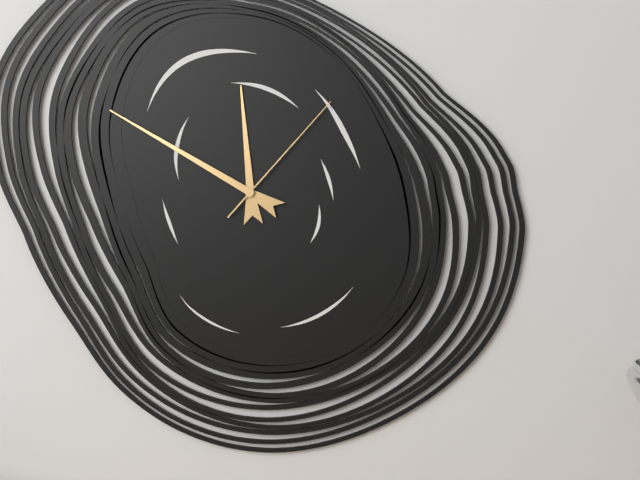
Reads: 11:50:07
